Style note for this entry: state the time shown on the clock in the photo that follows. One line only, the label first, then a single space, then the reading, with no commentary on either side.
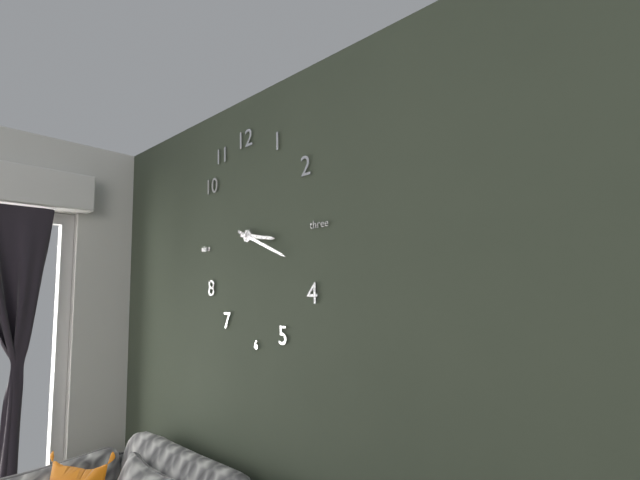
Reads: 3:19
